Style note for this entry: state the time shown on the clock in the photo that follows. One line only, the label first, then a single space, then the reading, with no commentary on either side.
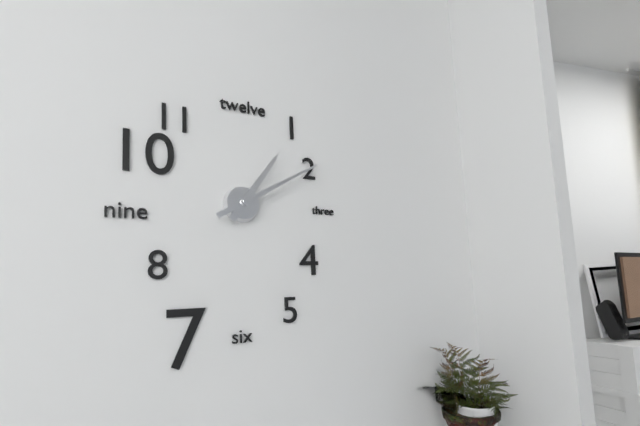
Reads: 1:10
